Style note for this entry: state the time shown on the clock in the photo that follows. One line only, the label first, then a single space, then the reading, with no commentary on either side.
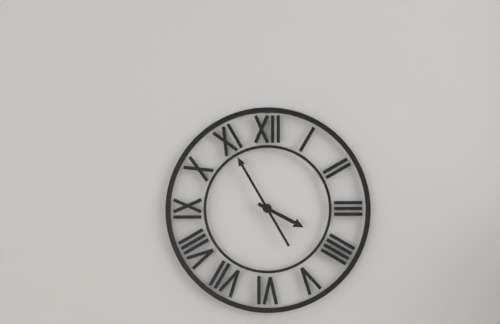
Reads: 3:55
